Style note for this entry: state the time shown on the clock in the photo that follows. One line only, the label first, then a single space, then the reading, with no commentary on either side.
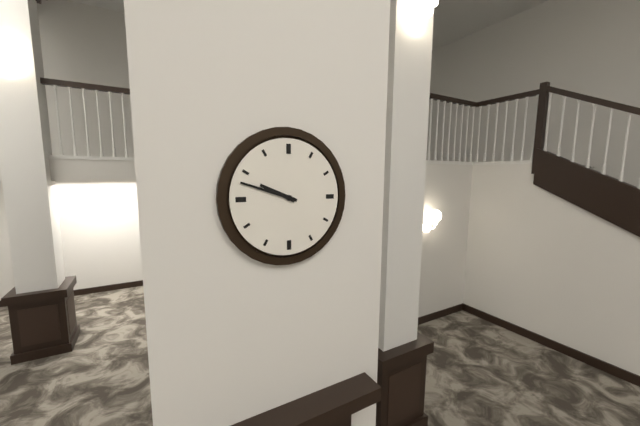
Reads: 9:48
